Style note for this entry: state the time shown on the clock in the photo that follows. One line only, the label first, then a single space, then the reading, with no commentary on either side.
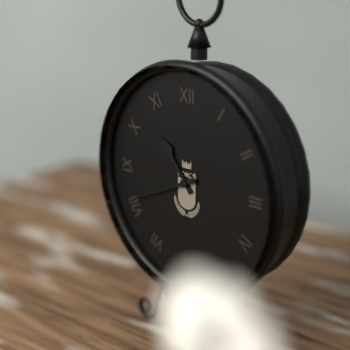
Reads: 10:41
